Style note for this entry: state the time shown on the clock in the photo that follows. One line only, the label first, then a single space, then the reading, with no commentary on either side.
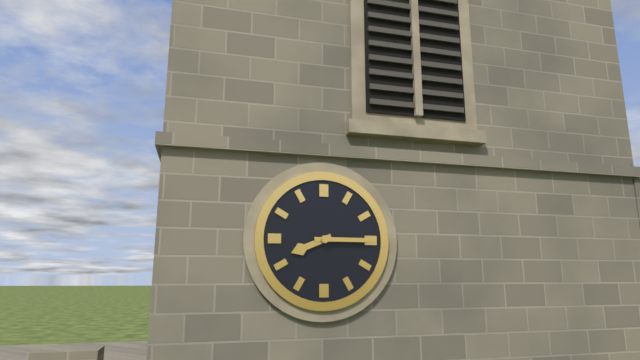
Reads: 8:15
